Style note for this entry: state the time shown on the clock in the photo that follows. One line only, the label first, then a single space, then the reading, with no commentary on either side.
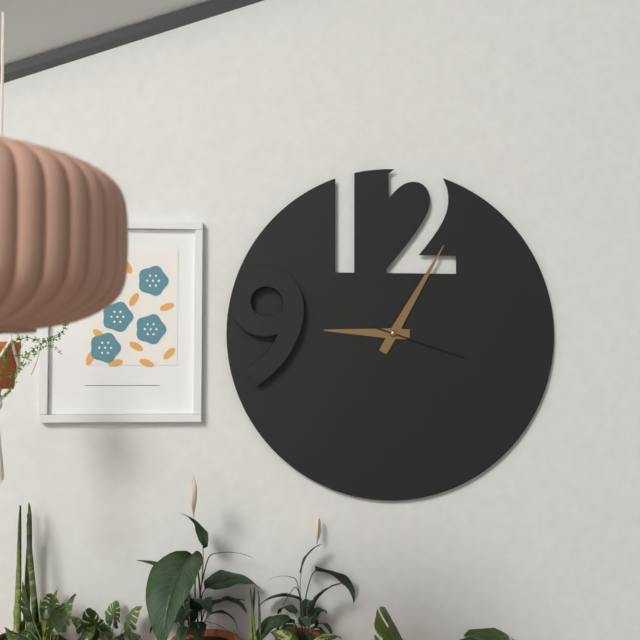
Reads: 9:05:18
